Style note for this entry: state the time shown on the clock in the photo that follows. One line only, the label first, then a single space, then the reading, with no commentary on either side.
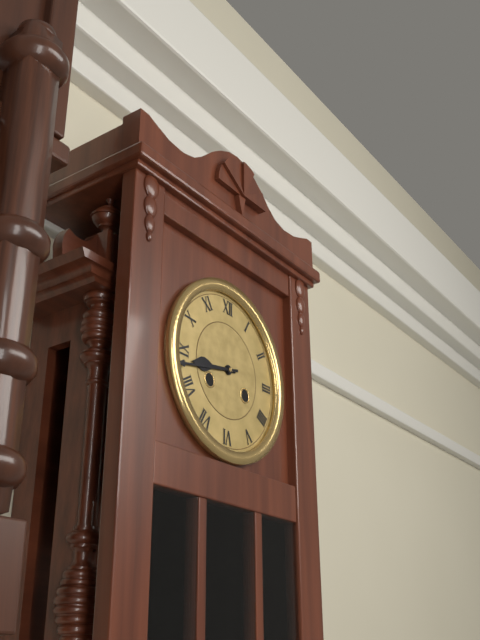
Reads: 8:43
